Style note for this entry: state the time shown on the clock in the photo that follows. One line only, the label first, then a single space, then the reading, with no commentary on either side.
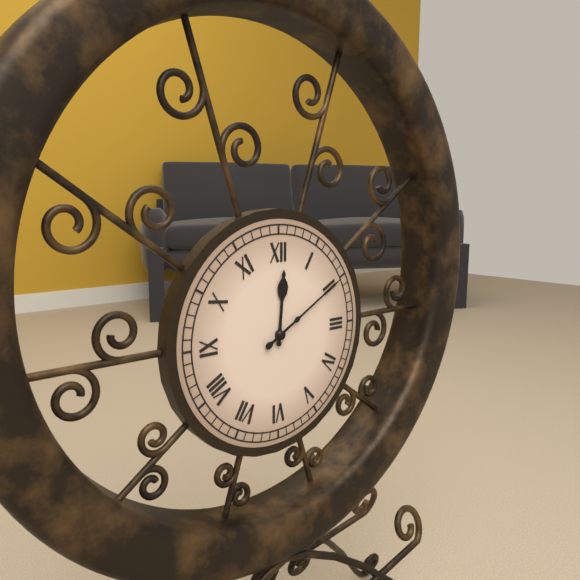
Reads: 12:10
